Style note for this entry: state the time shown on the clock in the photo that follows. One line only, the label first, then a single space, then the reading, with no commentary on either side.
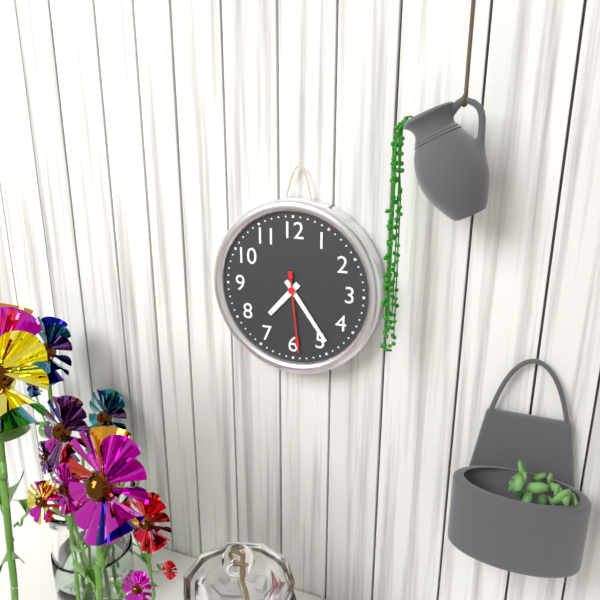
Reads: 7:24:29
